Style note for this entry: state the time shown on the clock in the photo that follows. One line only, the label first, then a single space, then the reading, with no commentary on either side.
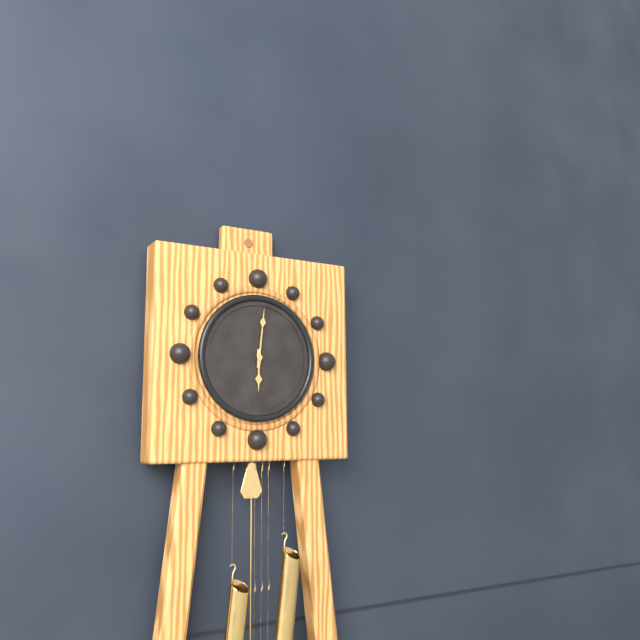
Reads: 6:01
